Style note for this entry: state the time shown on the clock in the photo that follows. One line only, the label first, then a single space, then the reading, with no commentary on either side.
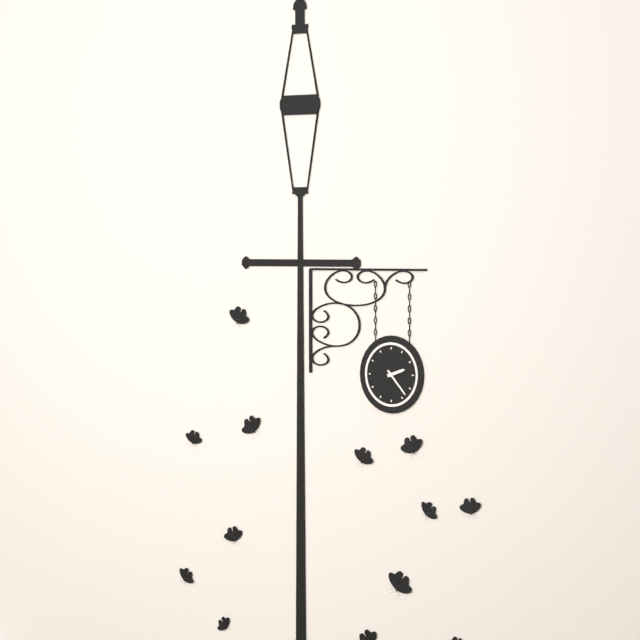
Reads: 2:23
